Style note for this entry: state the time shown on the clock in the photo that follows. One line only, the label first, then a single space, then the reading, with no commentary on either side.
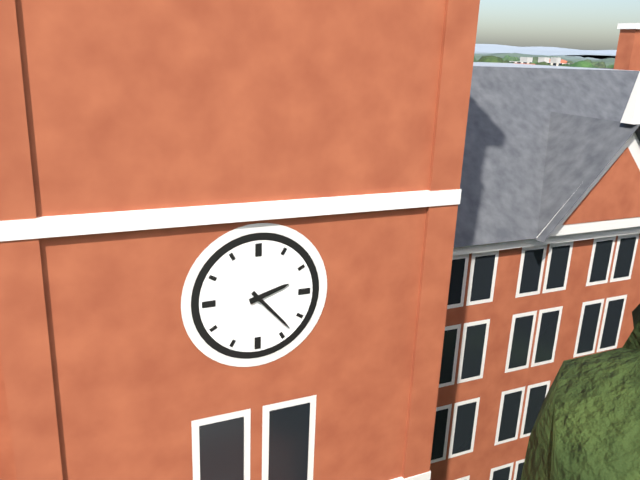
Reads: 2:23
